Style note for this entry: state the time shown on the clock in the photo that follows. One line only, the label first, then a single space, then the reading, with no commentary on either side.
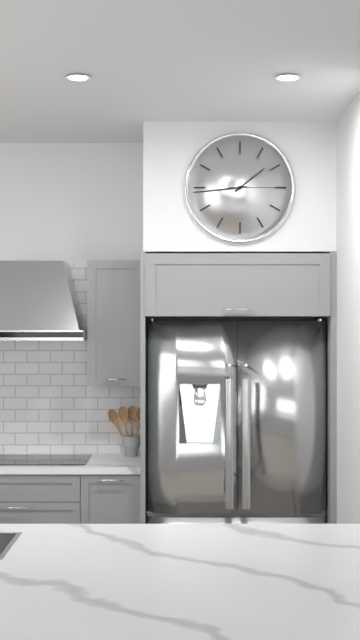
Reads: 1:44:15
